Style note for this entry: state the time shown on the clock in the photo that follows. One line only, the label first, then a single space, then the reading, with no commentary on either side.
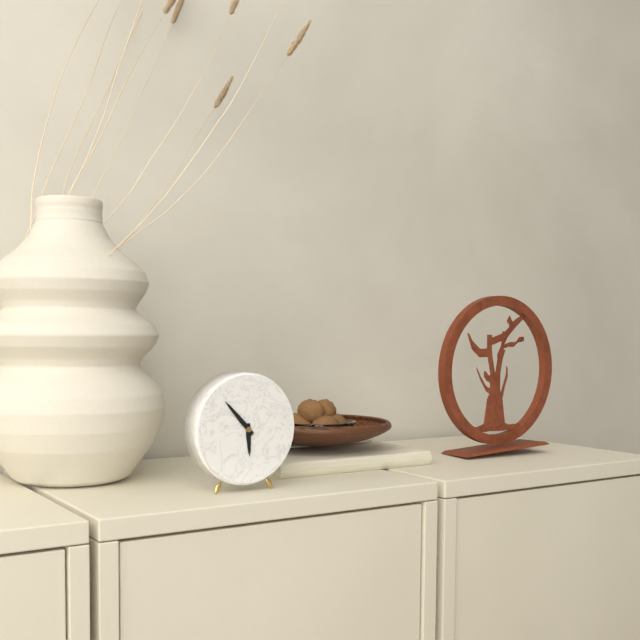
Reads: 5:53
